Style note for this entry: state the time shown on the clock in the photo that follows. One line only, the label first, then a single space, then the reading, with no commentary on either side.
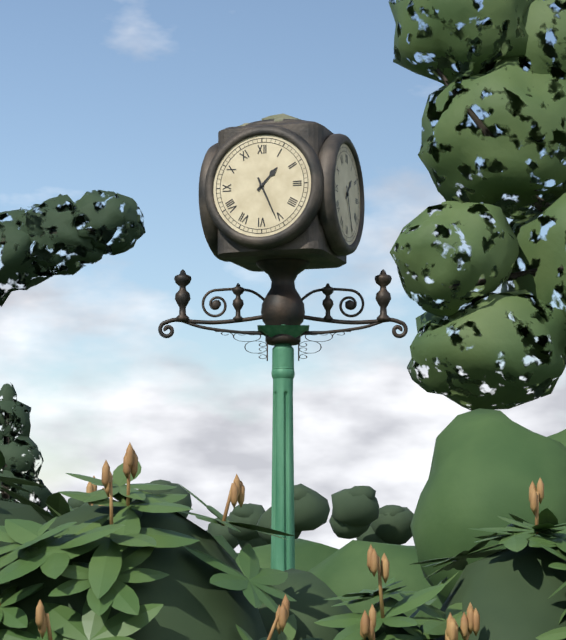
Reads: 1:26
